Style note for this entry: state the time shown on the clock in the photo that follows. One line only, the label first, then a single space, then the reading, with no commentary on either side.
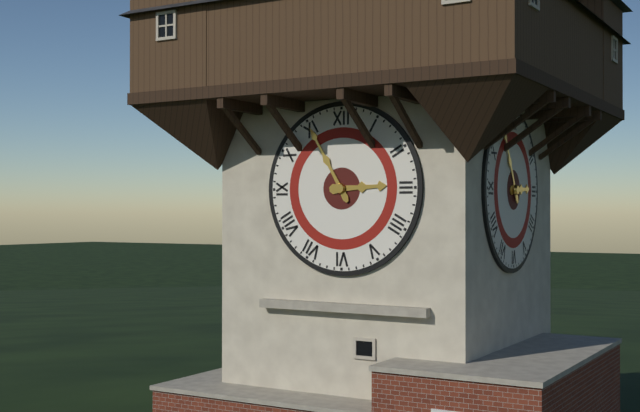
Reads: 2:55
